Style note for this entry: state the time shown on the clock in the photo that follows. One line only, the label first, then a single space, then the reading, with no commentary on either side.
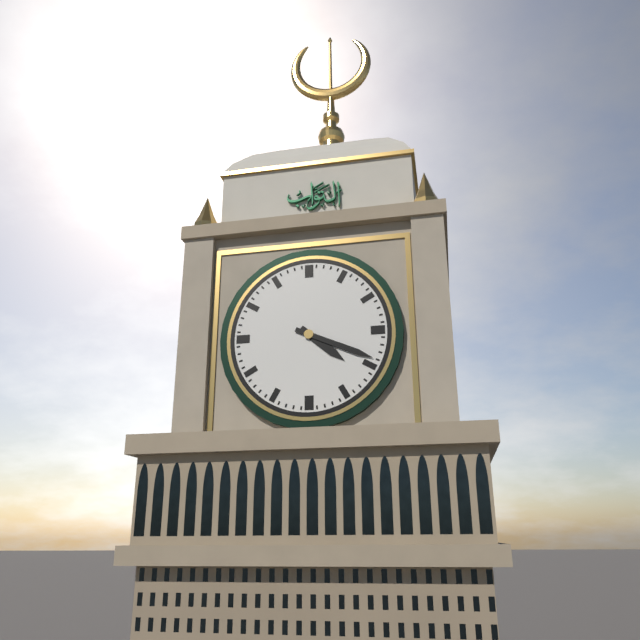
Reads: 4:19
